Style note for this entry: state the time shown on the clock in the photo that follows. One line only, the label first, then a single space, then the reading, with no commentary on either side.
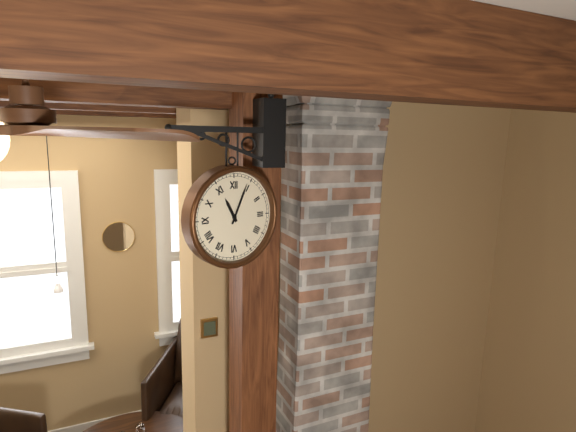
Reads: 11:04
